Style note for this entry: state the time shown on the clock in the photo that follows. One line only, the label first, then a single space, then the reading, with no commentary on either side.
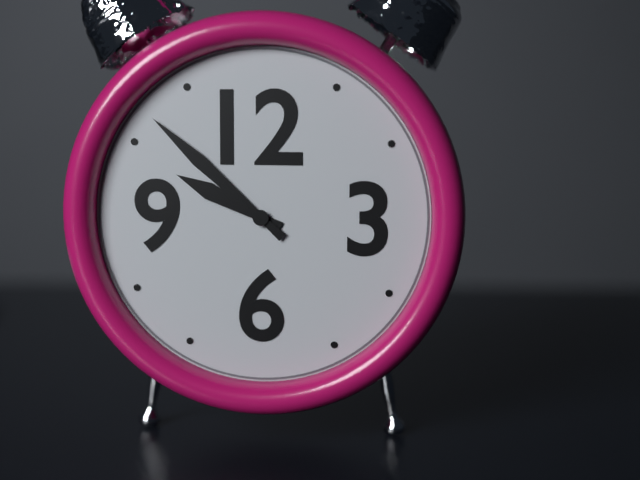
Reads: 9:52
